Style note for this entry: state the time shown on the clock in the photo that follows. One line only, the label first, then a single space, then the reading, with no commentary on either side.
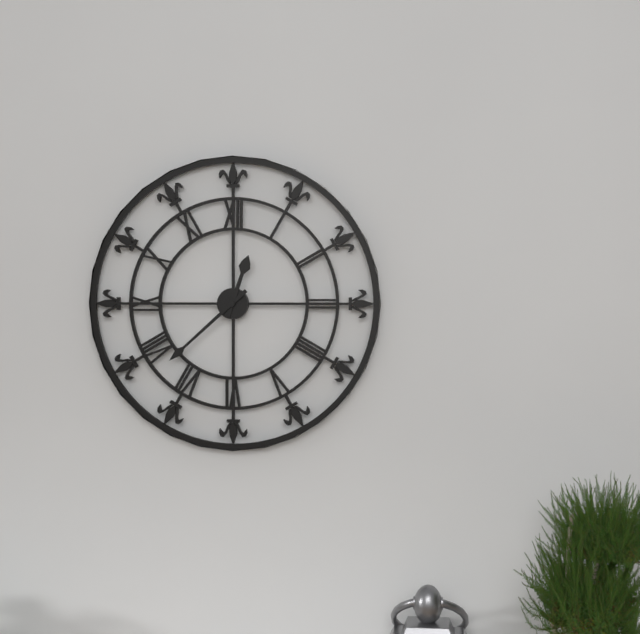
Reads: 12:38
